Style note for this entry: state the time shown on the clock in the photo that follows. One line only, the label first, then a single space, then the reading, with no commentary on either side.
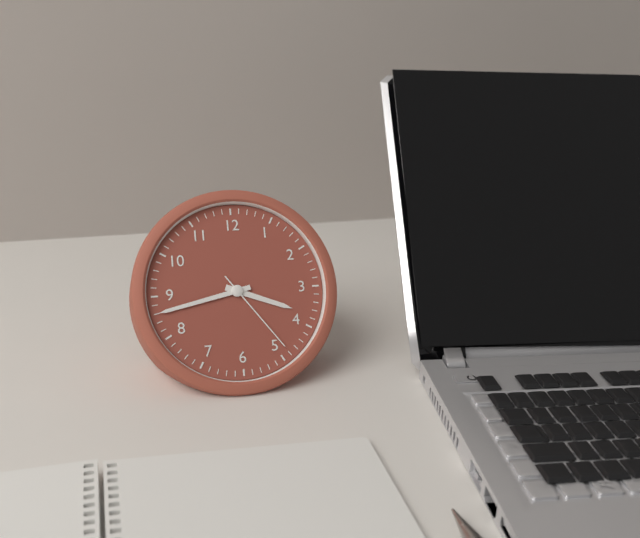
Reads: 3:43:24
